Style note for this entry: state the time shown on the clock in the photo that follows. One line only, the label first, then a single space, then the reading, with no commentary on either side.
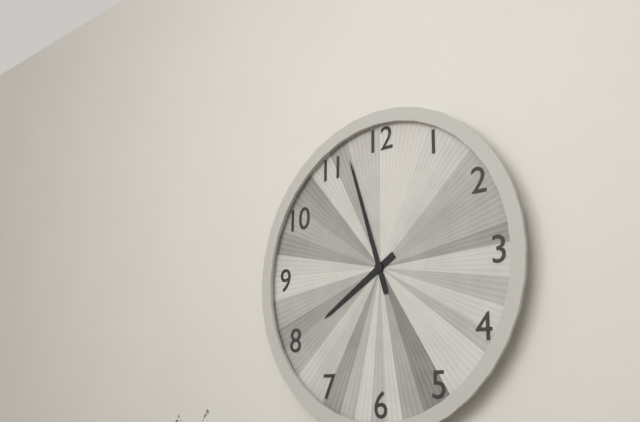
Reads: 7:57
